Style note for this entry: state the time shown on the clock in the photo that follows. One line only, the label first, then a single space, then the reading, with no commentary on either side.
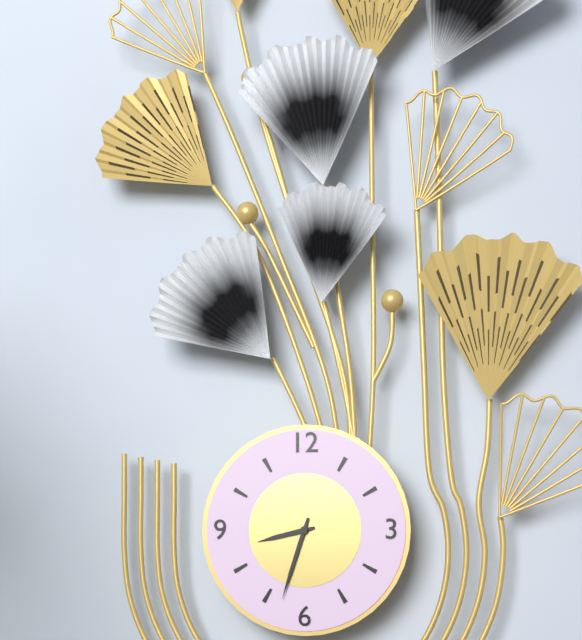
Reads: 8:33
